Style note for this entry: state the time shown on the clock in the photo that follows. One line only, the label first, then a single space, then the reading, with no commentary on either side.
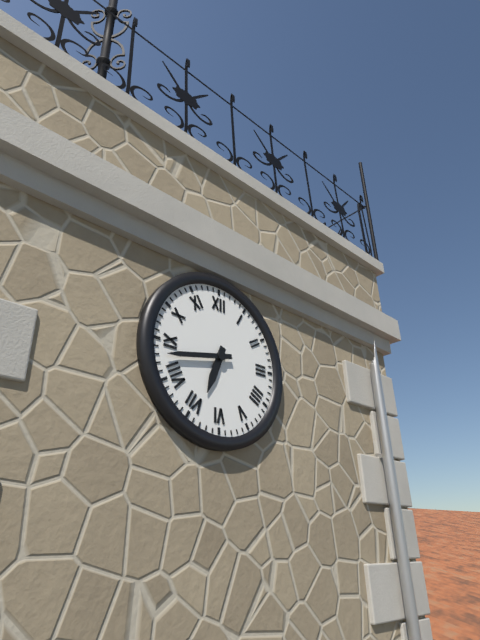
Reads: 6:43
